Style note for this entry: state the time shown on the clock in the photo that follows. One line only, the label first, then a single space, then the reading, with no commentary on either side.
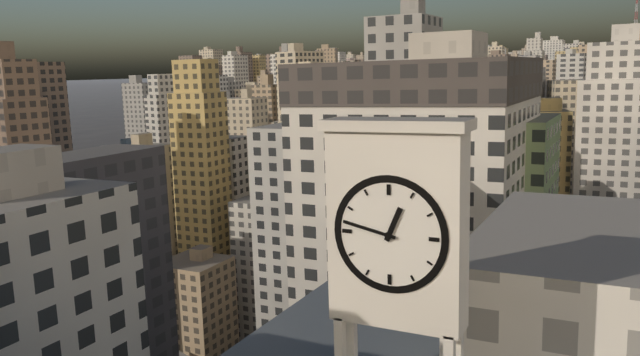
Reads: 12:47
